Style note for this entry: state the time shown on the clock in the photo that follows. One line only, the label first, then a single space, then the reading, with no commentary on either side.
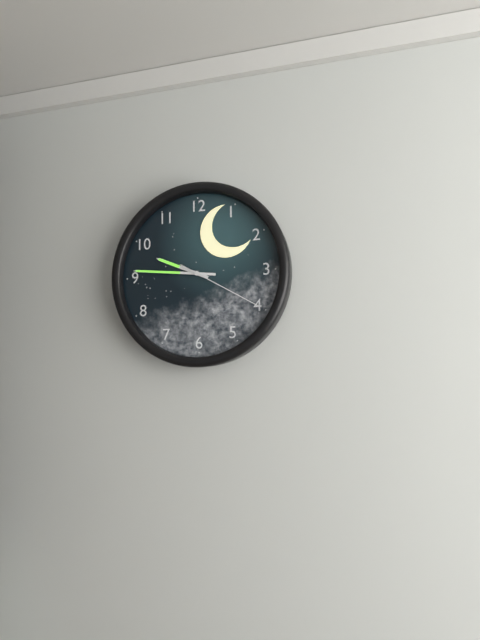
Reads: 9:46:20
